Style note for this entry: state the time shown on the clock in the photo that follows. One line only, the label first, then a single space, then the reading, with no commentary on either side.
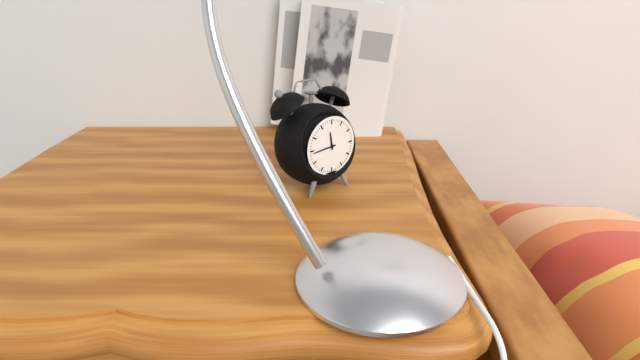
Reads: 11:44
